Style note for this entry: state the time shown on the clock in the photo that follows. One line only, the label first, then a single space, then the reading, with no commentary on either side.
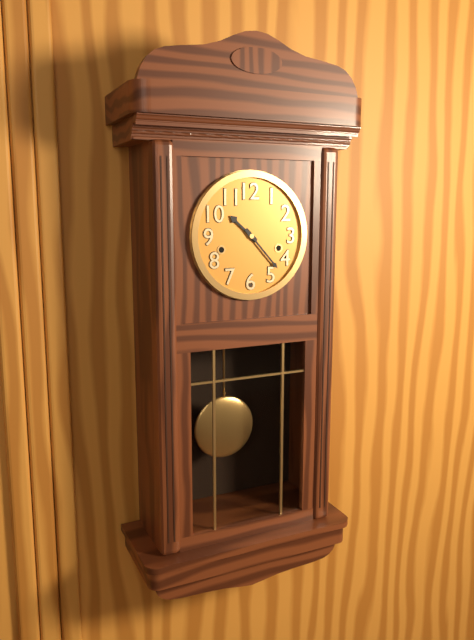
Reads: 10:23
